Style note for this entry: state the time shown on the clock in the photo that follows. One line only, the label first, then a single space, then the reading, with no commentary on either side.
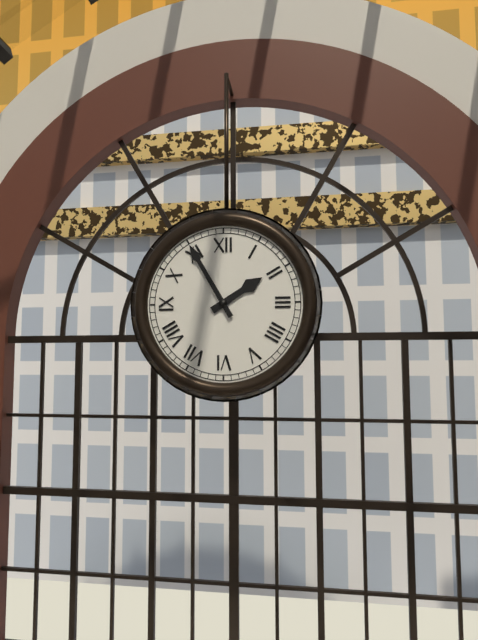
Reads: 1:55
